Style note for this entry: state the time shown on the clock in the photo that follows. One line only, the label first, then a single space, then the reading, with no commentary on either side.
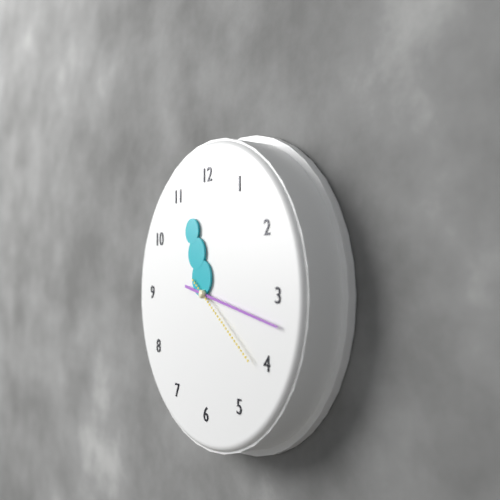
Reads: 11:17:21
